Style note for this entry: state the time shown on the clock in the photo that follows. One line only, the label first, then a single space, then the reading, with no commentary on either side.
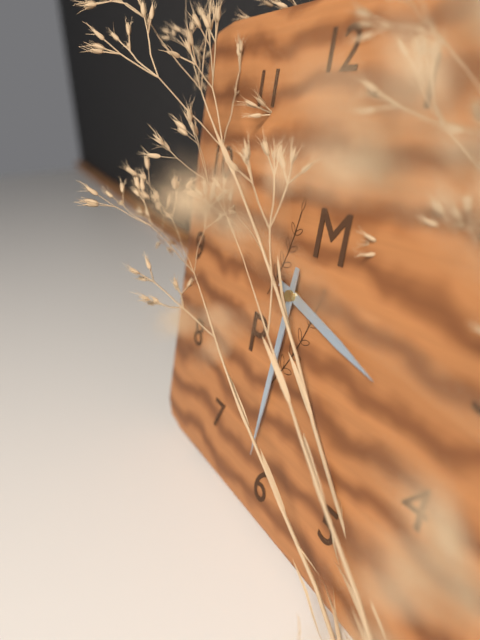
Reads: 3:31
